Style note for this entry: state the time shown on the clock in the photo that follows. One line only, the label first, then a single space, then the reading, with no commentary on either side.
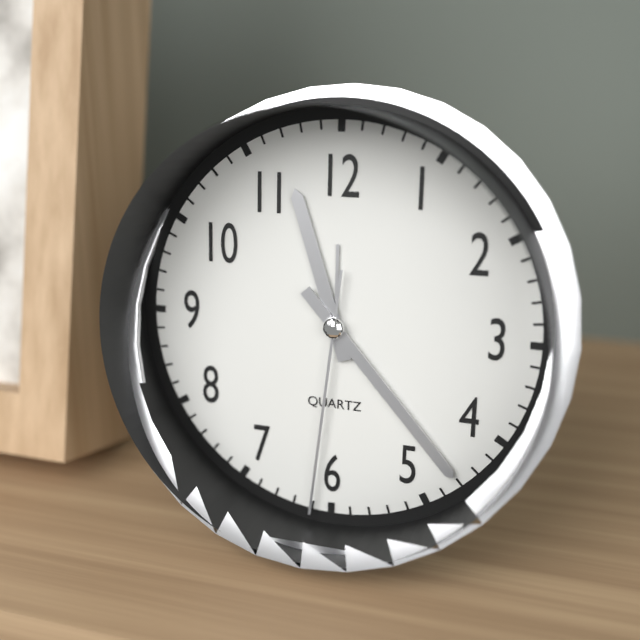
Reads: 11:23:31
